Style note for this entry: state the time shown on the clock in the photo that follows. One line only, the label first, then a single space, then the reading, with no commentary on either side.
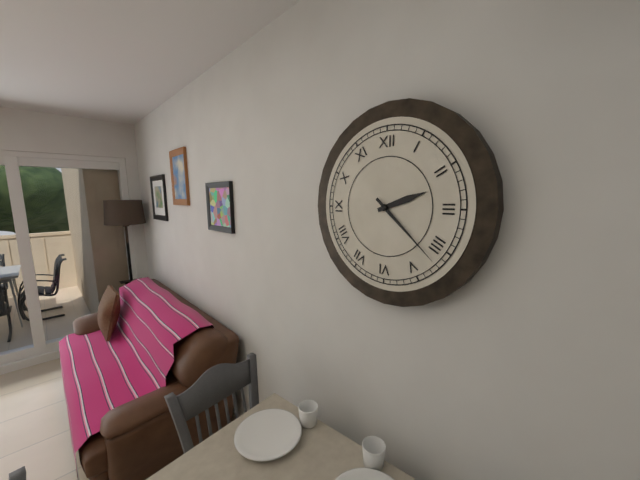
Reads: 2:22
